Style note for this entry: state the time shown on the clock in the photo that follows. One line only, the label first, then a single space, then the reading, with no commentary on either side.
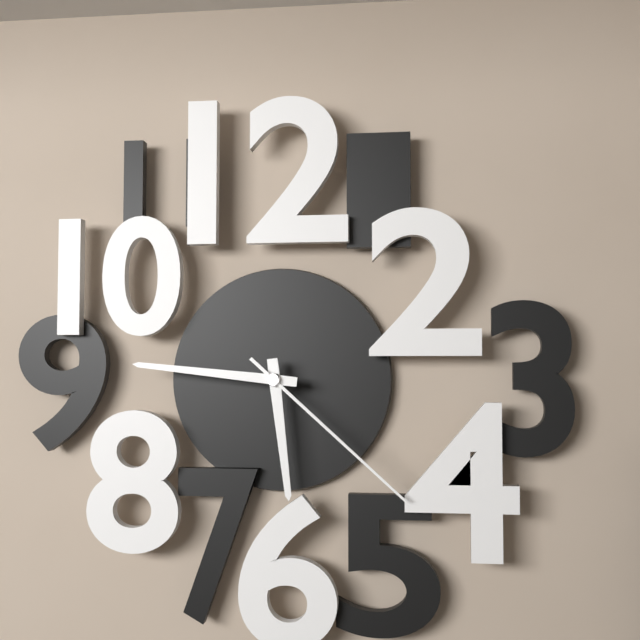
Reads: 5:46:22
